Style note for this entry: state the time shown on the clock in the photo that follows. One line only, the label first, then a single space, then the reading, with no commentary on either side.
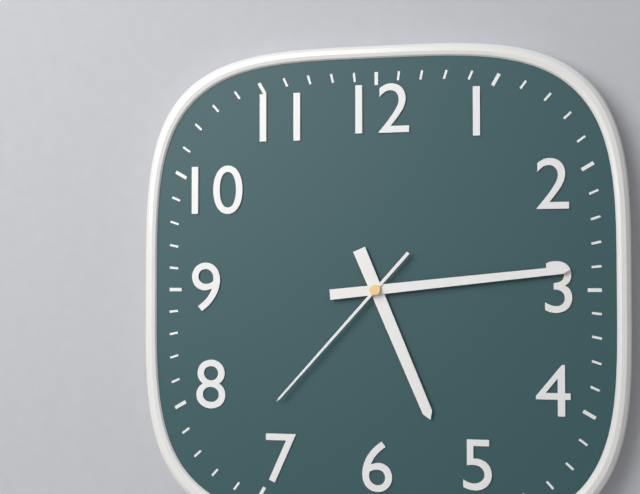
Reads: 5:14:37
